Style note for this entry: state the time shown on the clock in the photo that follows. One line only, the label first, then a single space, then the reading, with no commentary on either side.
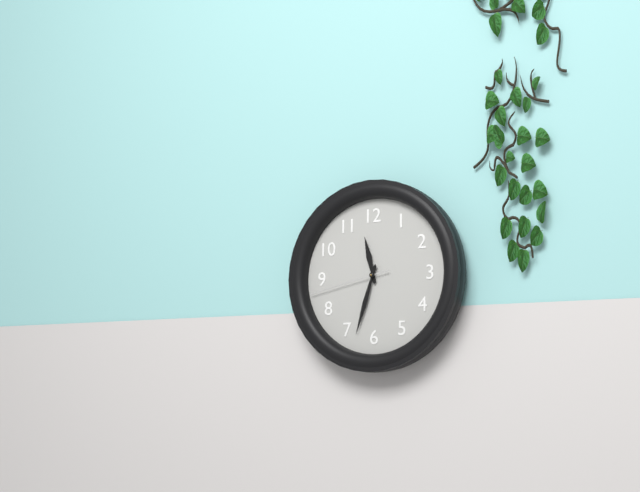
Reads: 11:33:43
